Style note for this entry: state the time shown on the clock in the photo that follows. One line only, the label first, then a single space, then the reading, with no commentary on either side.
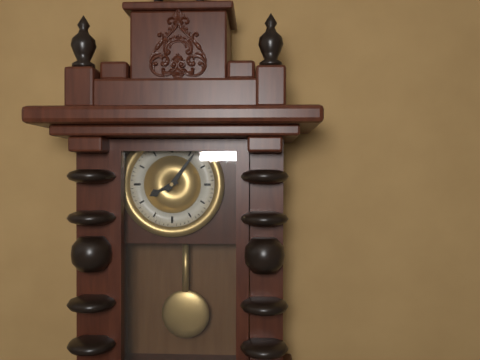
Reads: 8:06
